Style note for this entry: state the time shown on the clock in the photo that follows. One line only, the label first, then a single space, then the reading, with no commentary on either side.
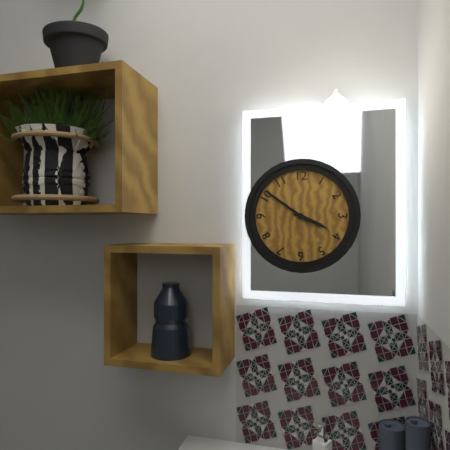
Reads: 3:51
